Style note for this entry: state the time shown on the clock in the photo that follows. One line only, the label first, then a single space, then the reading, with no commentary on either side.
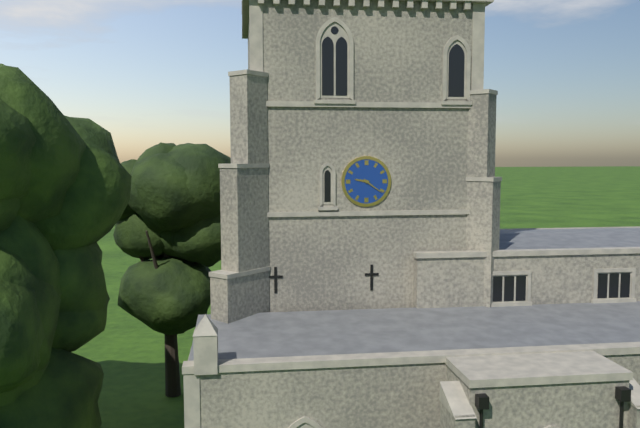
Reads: 9:21
